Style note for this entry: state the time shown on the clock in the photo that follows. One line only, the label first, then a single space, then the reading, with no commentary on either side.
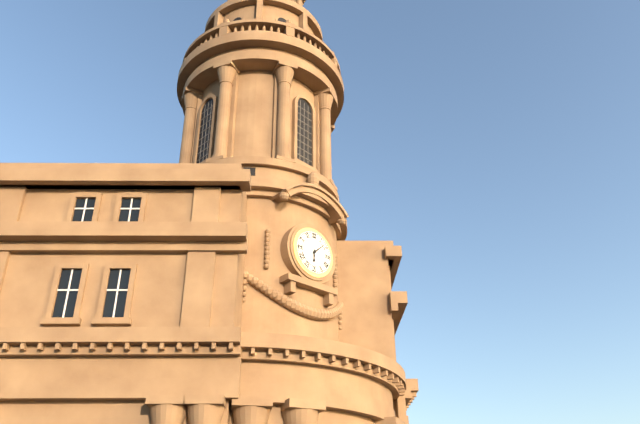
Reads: 6:08
